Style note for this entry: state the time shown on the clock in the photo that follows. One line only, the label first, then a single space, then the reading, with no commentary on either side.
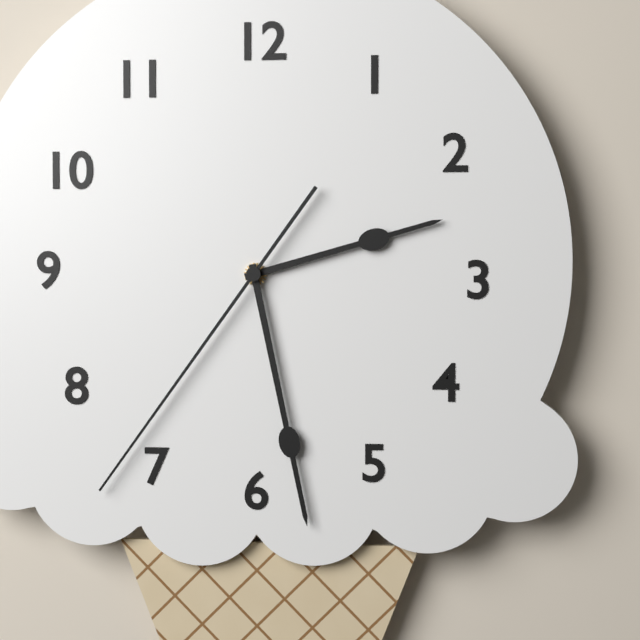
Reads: 2:28:36
